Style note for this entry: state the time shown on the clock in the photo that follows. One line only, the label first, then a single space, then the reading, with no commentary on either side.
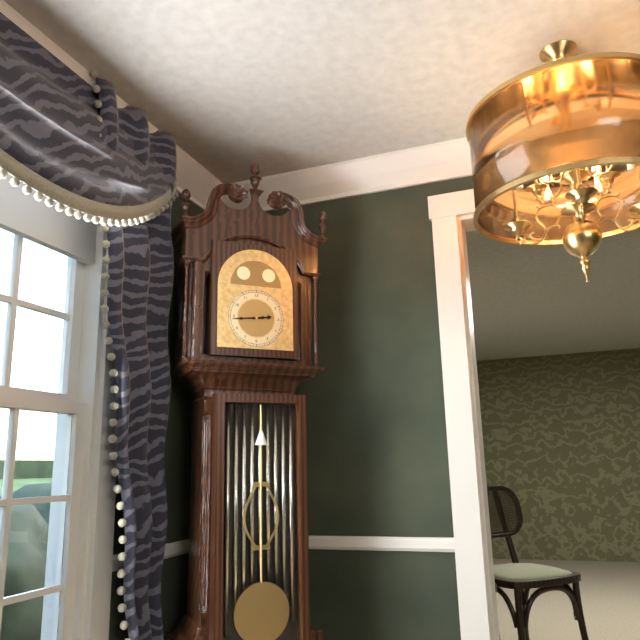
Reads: 2:44
